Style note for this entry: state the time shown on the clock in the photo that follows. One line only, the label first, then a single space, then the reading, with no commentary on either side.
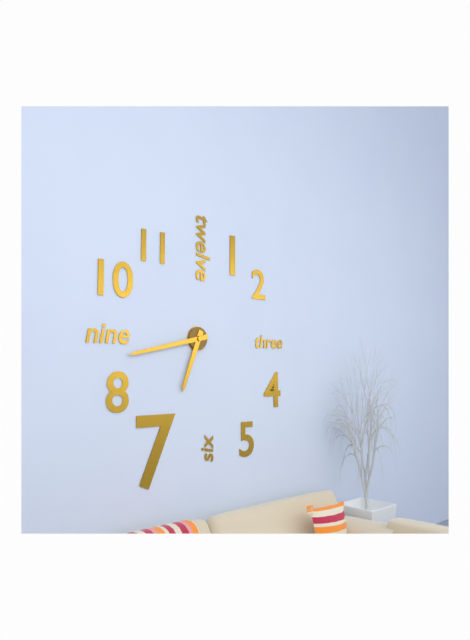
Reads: 6:43
